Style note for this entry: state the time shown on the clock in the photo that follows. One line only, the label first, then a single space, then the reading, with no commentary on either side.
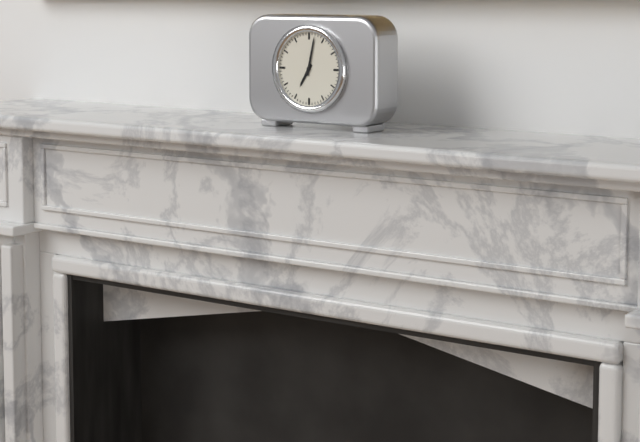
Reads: 7:02
